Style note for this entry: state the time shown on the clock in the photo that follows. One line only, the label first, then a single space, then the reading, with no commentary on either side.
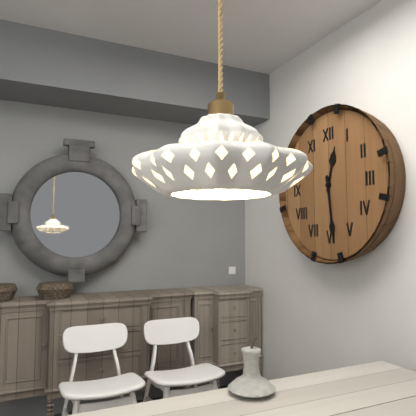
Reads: 12:29
